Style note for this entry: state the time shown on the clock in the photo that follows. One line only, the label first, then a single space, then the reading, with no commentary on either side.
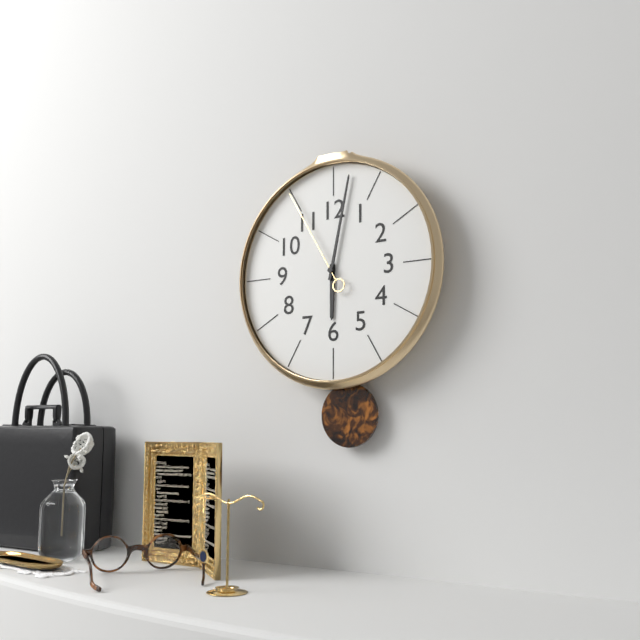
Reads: 6:02:55
